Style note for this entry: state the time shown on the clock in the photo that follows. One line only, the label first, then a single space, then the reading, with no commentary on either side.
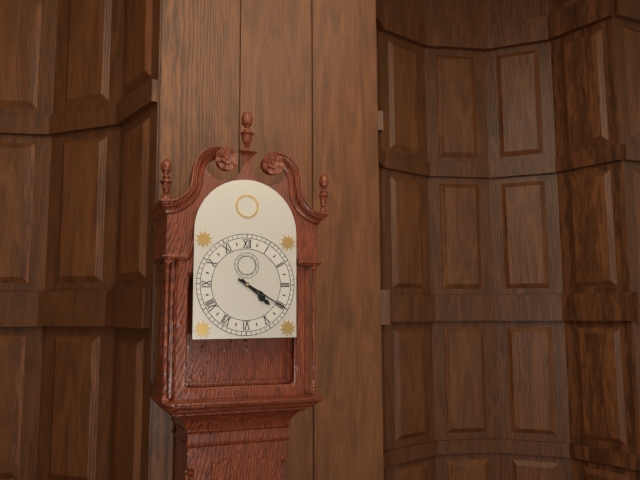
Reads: 4:20
